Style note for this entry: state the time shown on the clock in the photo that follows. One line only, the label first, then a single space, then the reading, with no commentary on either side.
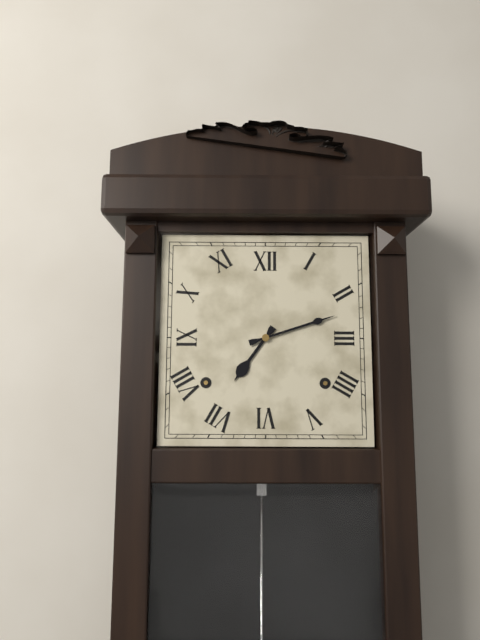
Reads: 7:12
